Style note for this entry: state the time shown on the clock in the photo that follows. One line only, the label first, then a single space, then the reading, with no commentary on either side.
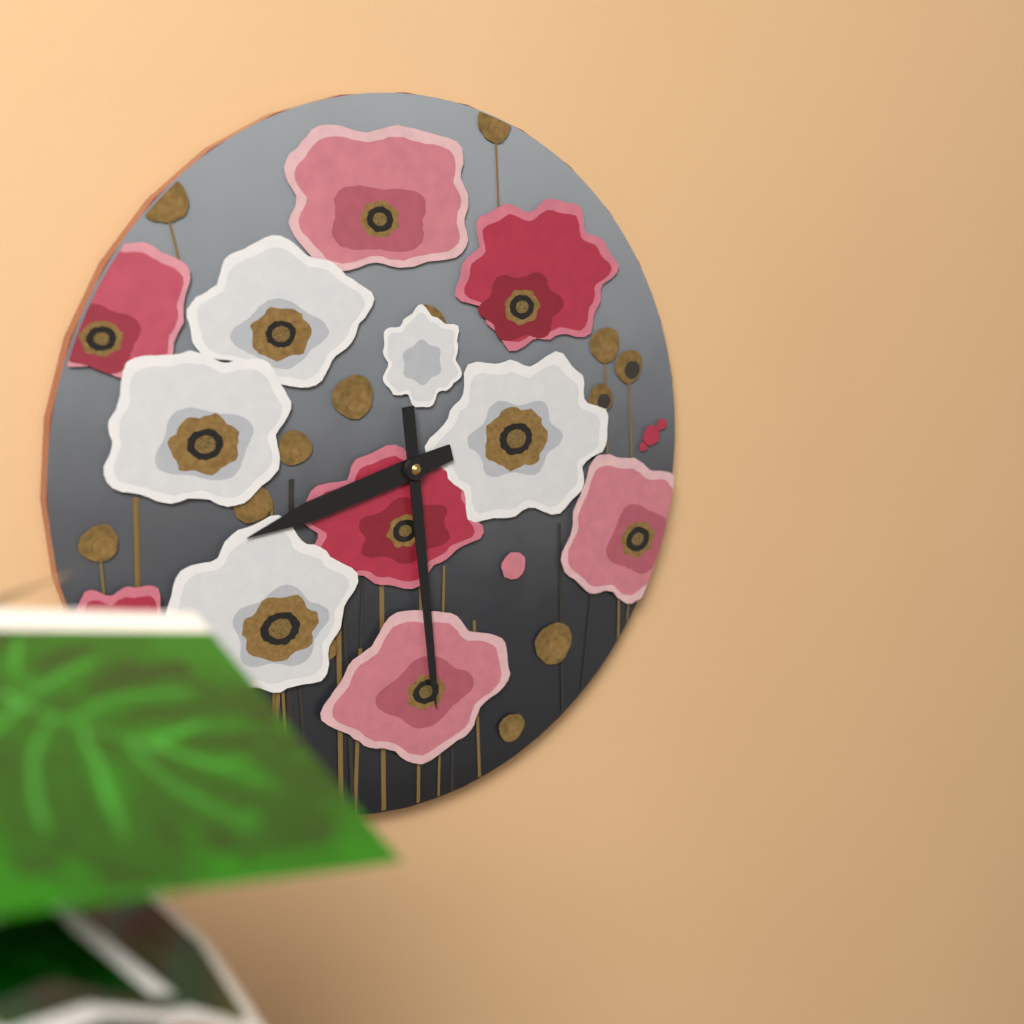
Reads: 8:29
